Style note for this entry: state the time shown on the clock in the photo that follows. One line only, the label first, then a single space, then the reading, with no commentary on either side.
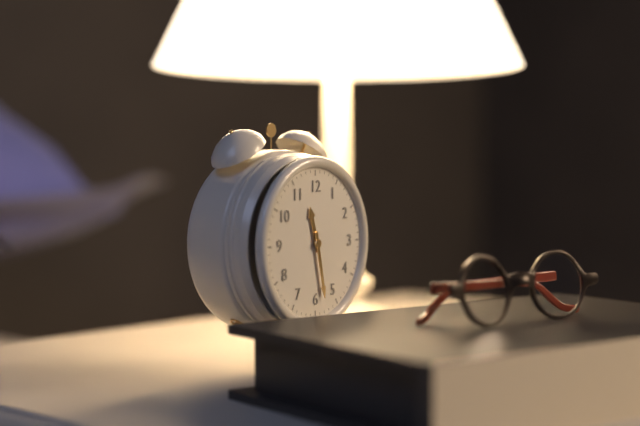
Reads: 11:28
